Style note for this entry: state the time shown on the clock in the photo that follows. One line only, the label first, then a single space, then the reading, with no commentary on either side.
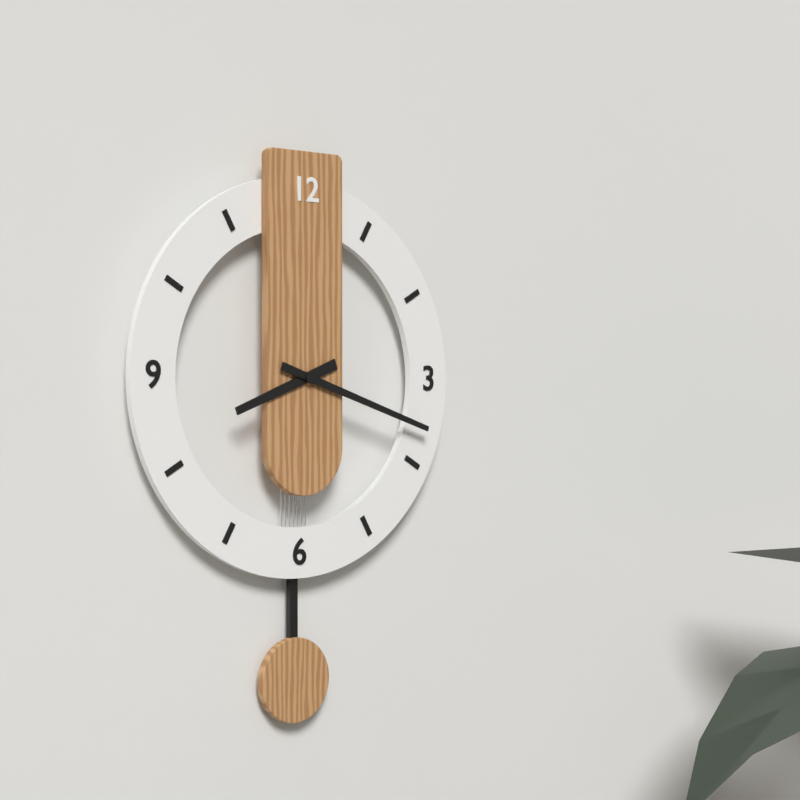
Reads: 8:18
